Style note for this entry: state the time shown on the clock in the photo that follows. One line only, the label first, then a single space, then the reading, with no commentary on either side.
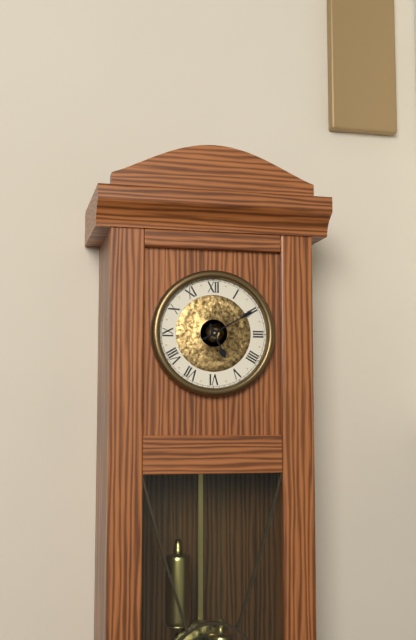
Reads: 5:10
